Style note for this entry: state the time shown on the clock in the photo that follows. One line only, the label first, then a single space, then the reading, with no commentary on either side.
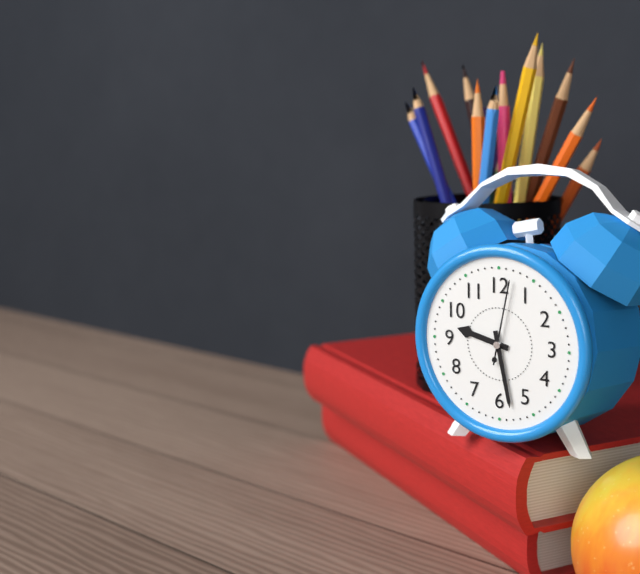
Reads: 9:28:02
